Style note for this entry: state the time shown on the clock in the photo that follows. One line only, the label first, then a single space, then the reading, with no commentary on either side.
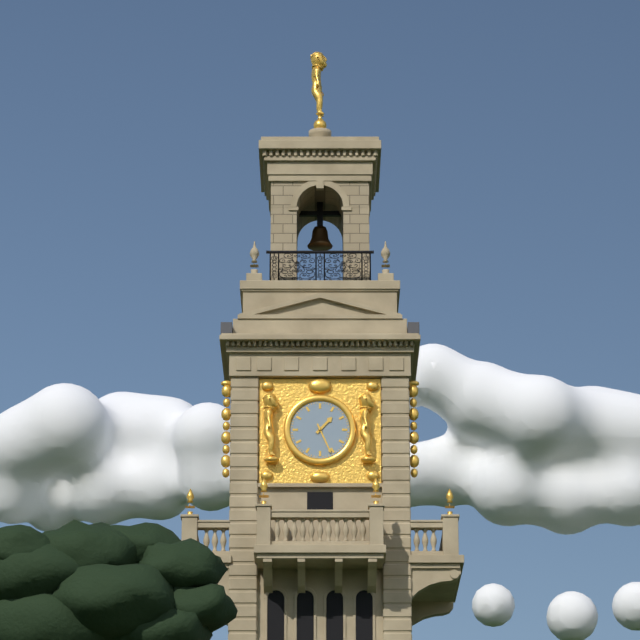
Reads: 1:26
